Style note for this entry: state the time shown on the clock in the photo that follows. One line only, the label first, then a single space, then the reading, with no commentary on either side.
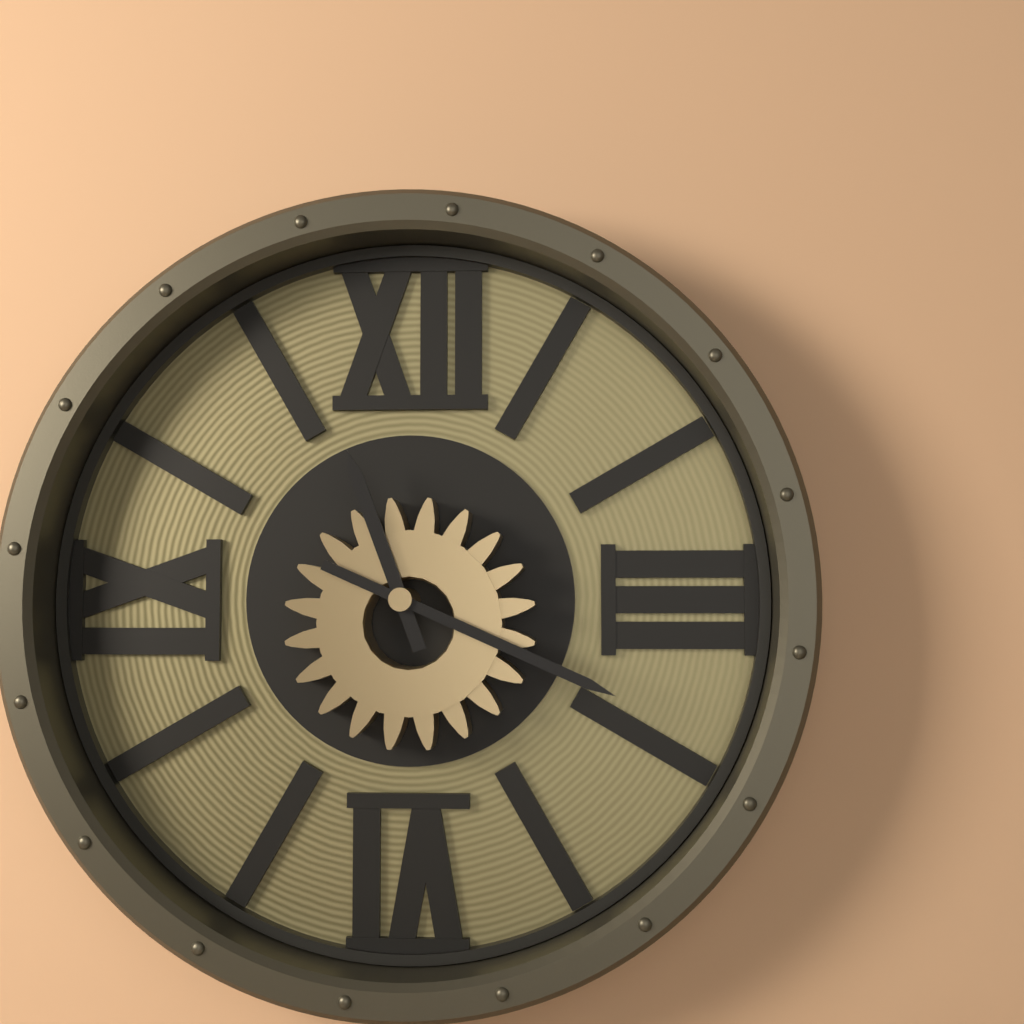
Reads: 11:19
